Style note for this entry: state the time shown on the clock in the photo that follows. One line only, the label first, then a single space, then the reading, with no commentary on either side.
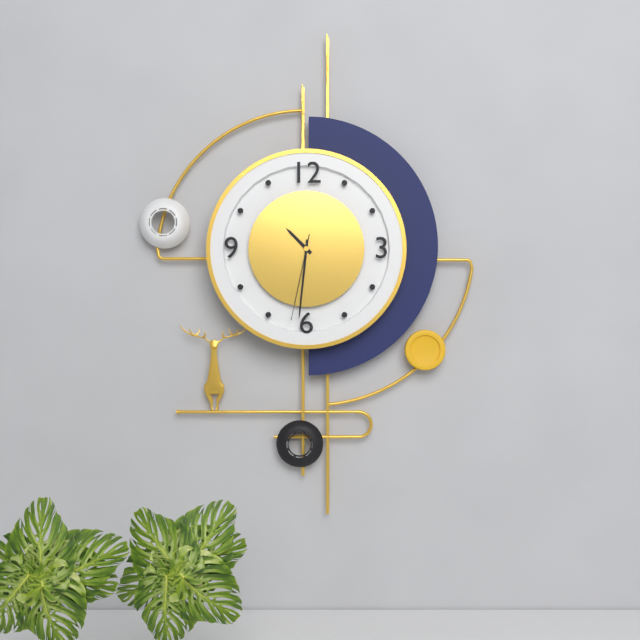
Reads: 10:31:32
